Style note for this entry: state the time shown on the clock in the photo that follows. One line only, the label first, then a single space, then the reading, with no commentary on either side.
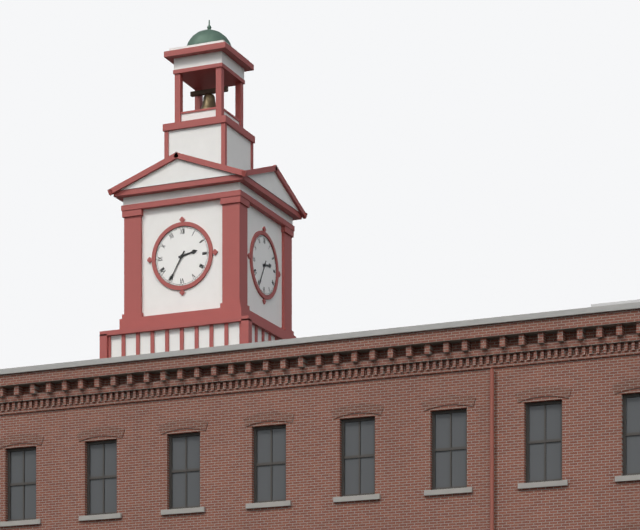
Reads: 2:35
